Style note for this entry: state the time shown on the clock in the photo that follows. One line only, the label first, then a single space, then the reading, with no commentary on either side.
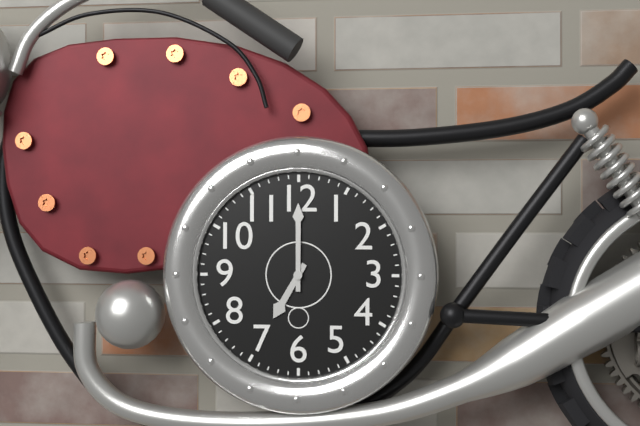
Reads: 7:00
